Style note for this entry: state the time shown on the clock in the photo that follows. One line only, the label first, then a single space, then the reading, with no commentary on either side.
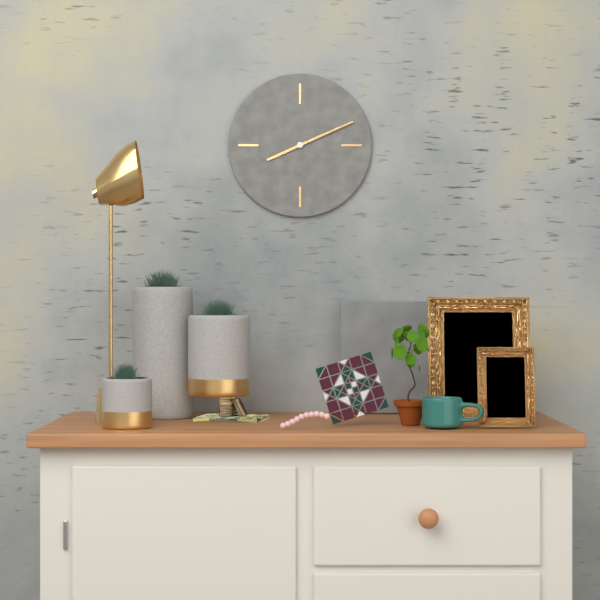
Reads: 8:11
